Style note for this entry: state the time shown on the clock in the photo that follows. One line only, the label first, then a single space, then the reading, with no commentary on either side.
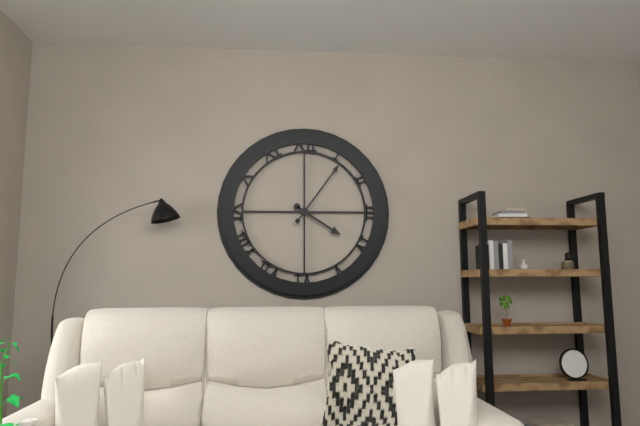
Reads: 4:06
